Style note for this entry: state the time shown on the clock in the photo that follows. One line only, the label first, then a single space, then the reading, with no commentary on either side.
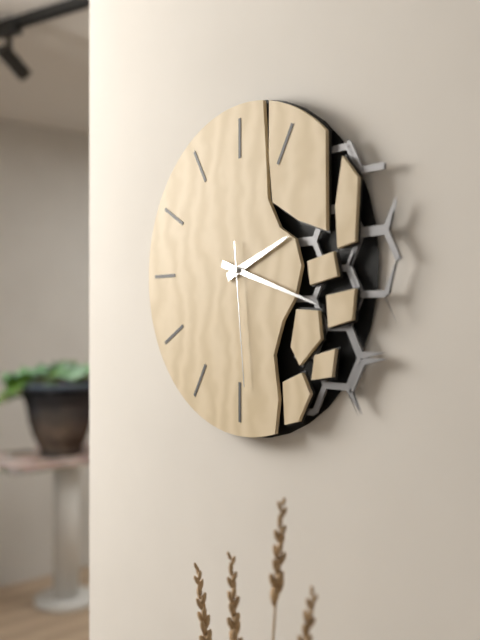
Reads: 2:18:29
